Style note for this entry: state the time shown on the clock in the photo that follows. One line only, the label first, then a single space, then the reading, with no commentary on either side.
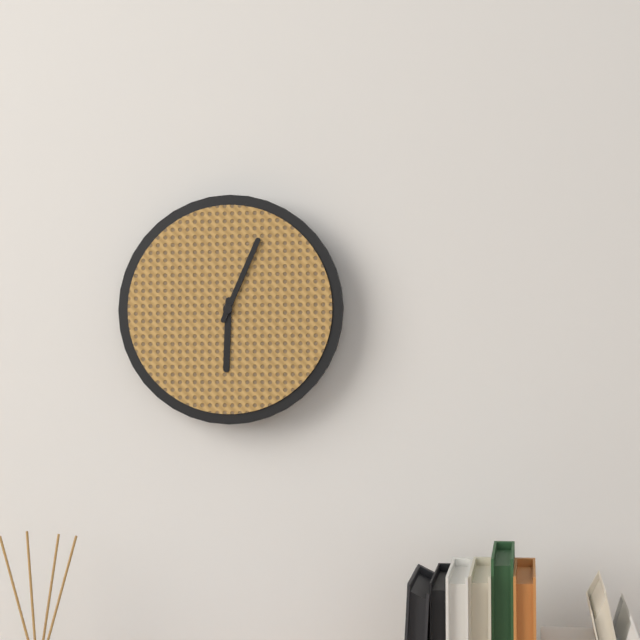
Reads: 6:04
